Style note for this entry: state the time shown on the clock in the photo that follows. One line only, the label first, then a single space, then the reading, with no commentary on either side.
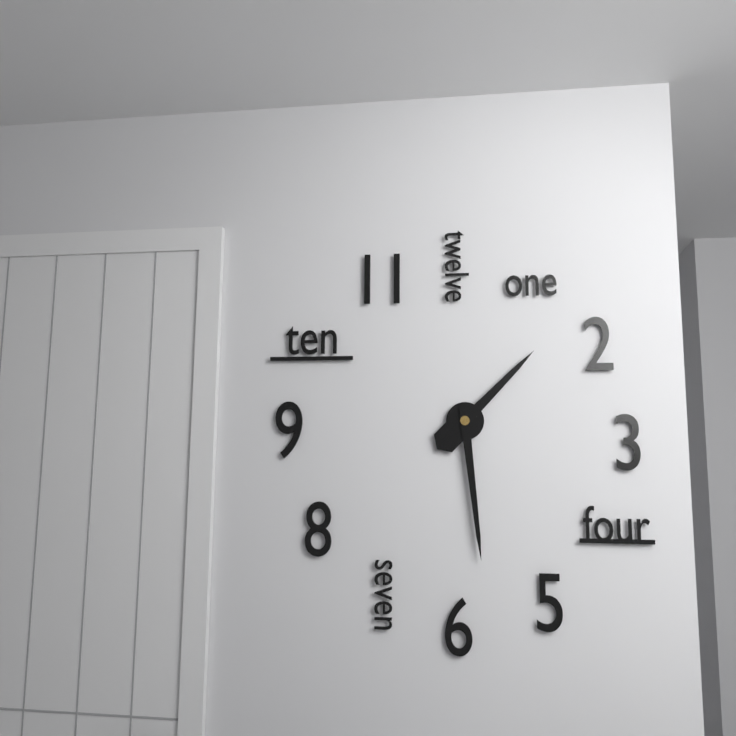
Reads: 1:29
